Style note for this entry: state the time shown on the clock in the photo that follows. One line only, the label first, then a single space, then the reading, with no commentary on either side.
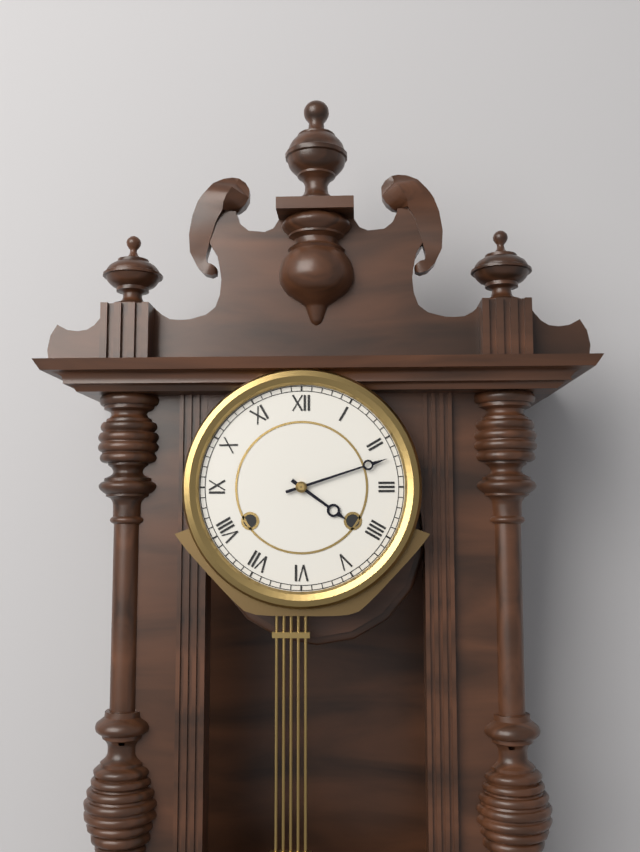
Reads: 4:12
